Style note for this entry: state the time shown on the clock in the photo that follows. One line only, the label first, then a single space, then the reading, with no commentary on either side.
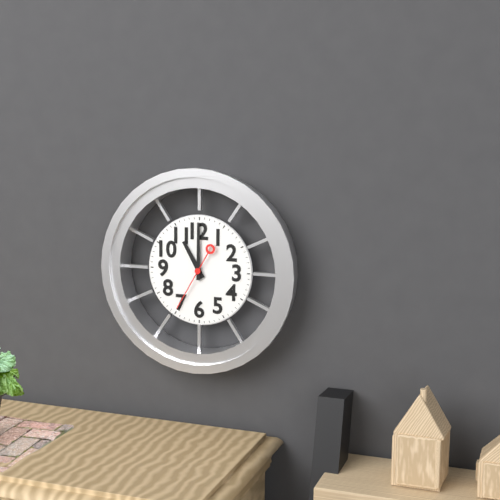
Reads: 11:00:35
